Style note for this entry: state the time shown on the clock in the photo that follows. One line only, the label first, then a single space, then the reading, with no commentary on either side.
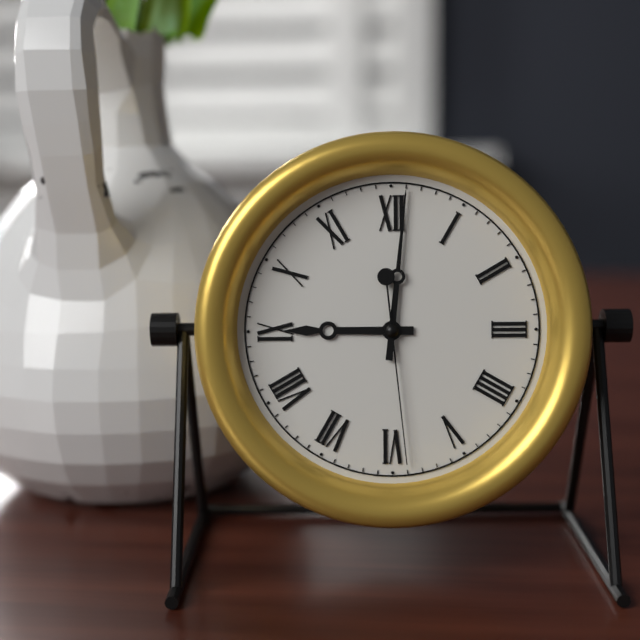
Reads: 9:01:29
